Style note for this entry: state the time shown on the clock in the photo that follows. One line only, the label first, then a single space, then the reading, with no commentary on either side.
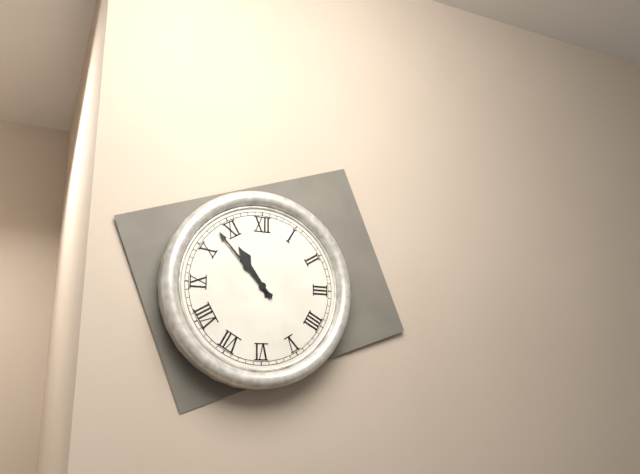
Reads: 10:53
